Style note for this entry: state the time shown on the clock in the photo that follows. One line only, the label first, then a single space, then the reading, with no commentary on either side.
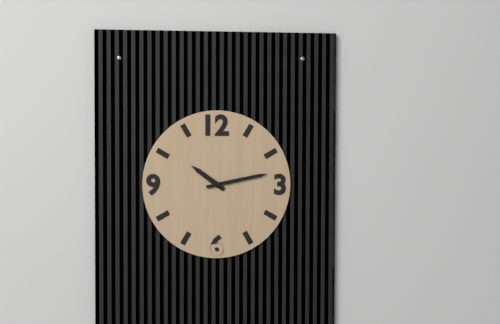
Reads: 10:13
